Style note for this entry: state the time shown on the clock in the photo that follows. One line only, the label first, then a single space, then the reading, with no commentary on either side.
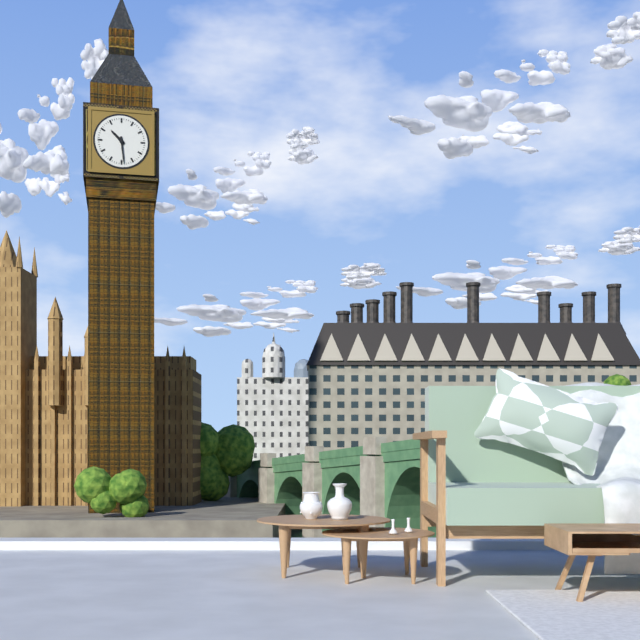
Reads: 10:29
